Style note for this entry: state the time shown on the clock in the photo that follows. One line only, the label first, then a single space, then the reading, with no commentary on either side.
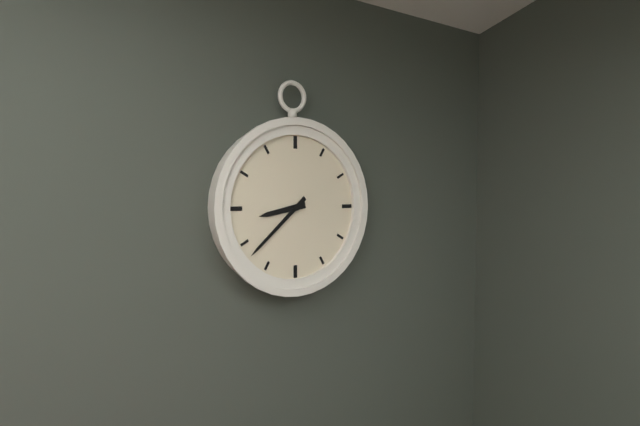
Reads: 8:38
